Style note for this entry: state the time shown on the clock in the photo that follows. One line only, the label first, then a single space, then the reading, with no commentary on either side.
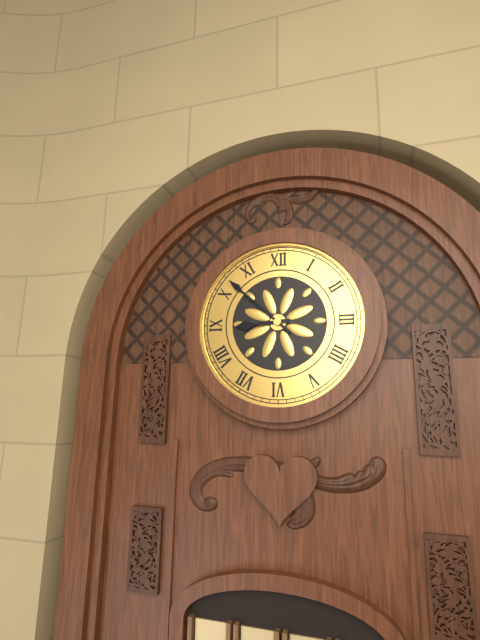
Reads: 8:52
